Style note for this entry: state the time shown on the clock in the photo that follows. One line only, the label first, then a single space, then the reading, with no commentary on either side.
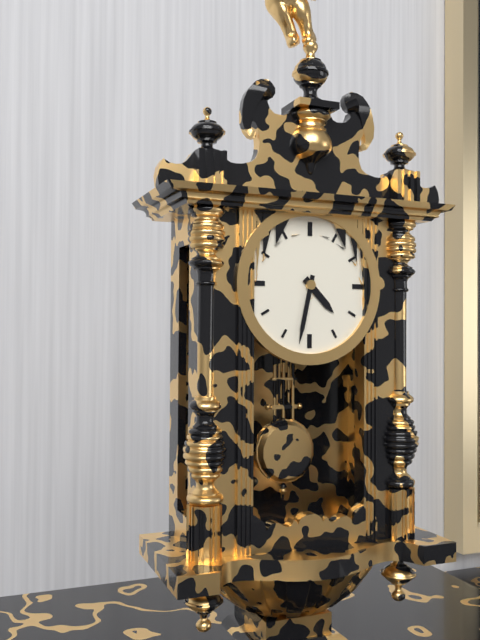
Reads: 4:32
